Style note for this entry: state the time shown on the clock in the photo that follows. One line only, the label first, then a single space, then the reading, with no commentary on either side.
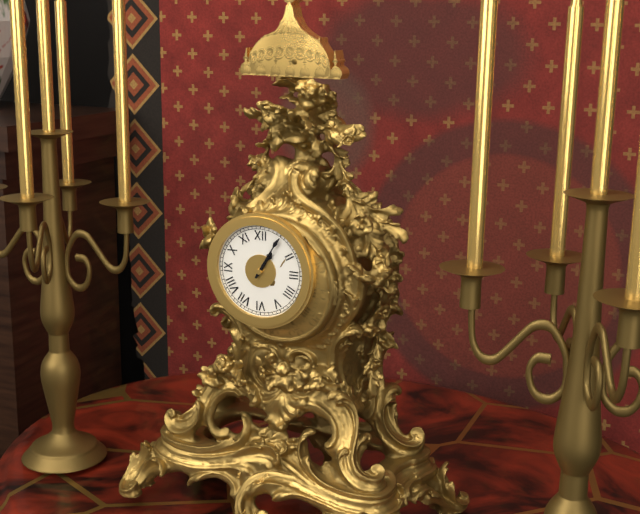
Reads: 1:05
